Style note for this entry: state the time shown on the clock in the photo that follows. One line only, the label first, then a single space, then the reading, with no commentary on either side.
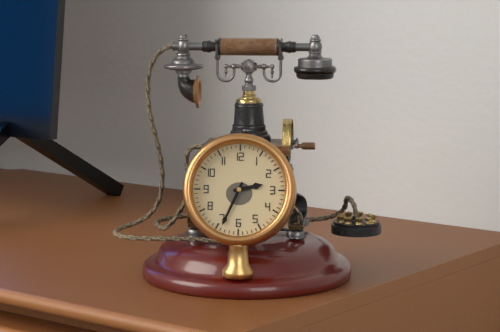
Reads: 2:34
